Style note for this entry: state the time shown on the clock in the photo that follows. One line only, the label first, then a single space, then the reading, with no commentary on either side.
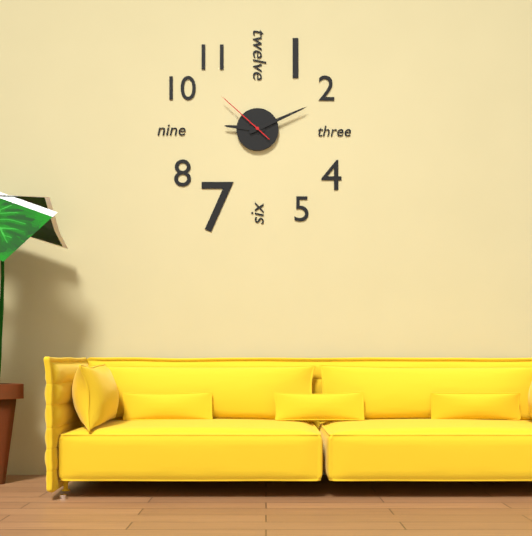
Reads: 9:11:52
